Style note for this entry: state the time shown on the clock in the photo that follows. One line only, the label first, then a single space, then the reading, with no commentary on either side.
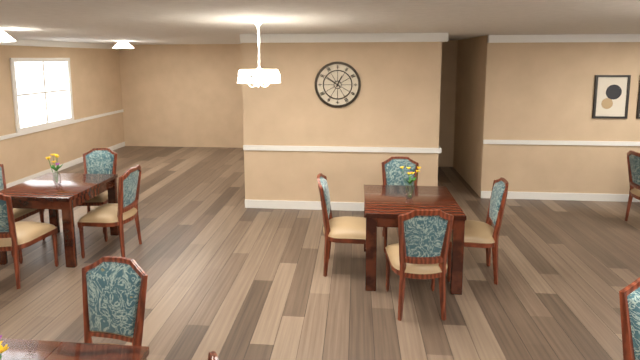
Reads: 12:51
